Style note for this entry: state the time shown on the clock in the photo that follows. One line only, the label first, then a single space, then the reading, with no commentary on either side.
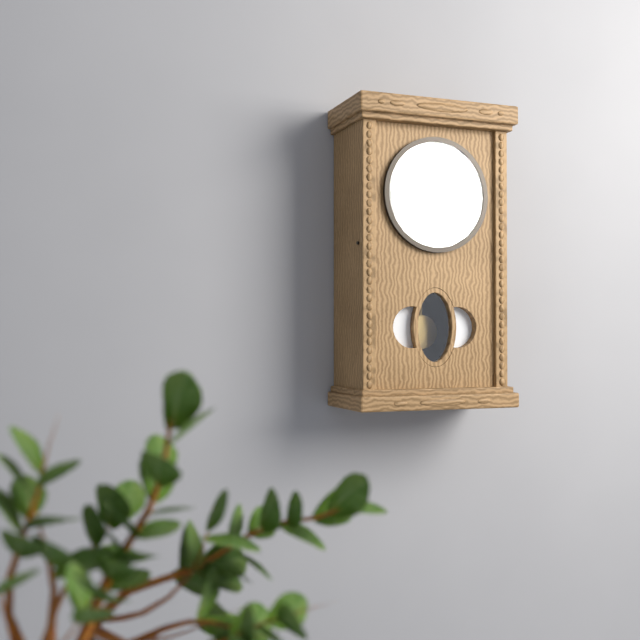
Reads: 2:42
